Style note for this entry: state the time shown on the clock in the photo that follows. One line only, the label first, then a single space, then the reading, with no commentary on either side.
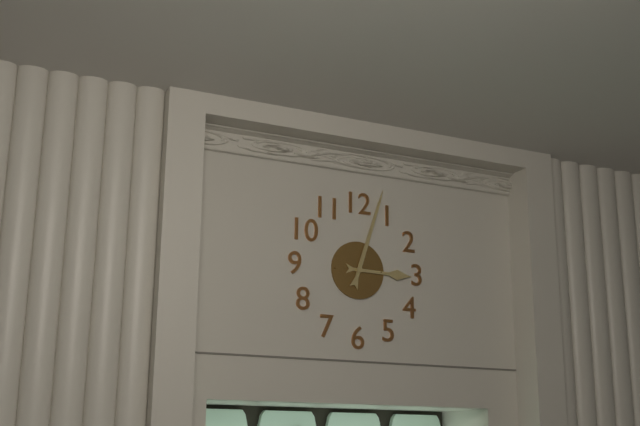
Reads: 3:03
